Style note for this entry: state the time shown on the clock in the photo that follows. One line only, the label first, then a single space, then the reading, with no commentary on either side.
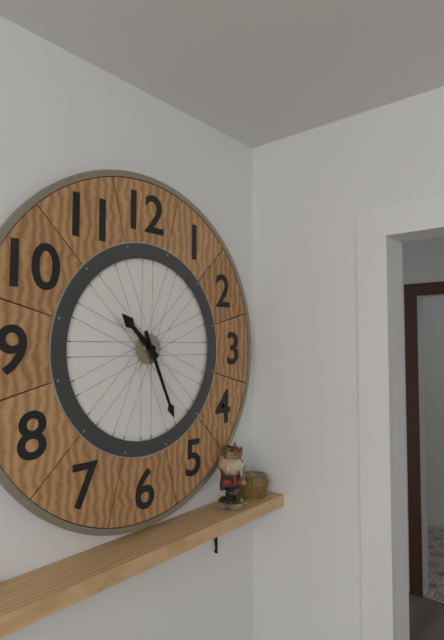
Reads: 10:26
